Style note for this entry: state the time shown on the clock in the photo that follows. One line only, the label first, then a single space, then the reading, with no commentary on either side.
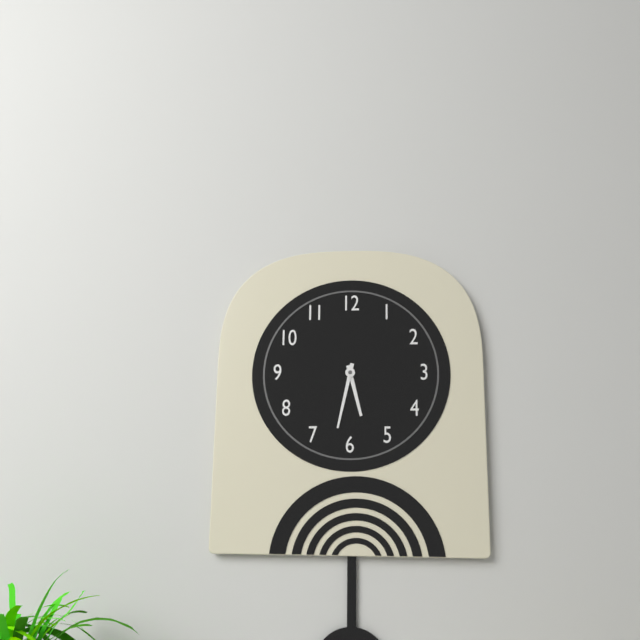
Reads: 5:32
